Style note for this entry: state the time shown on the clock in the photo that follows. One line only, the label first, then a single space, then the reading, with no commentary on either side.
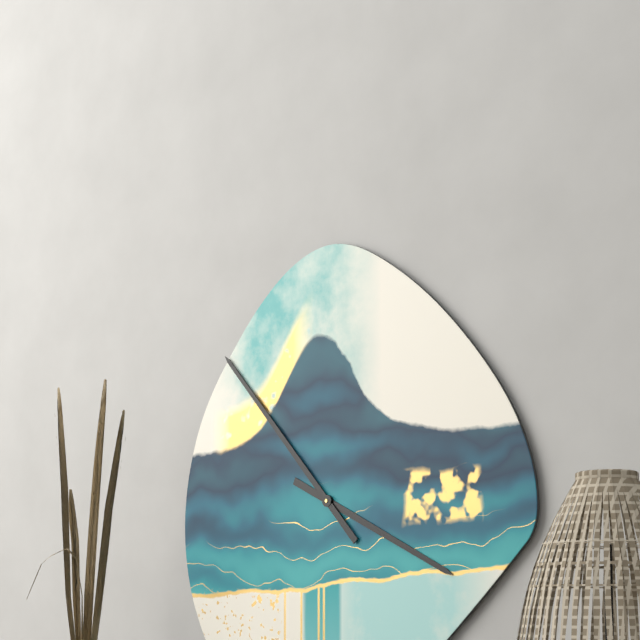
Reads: 3:53
